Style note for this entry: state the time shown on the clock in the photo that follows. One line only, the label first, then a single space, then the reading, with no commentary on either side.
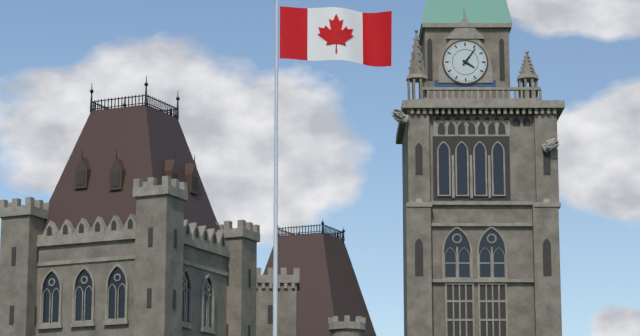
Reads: 4:06
